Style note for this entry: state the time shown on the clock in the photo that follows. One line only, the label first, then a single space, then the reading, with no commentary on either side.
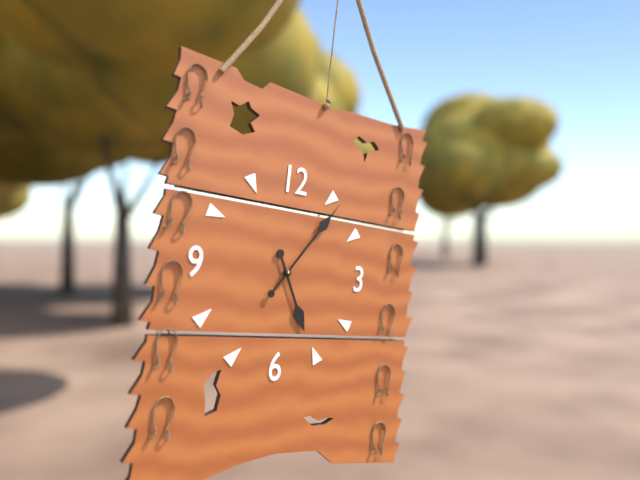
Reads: 5:06
